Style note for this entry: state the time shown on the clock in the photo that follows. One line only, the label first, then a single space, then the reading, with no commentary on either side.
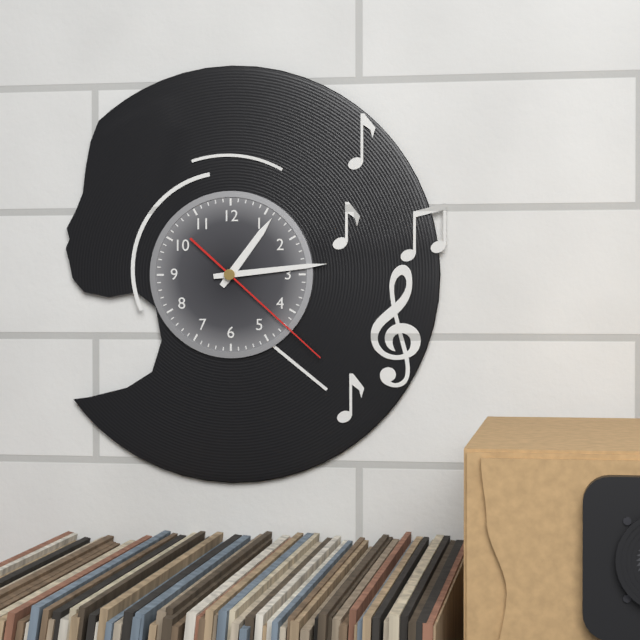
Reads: 1:14:22
